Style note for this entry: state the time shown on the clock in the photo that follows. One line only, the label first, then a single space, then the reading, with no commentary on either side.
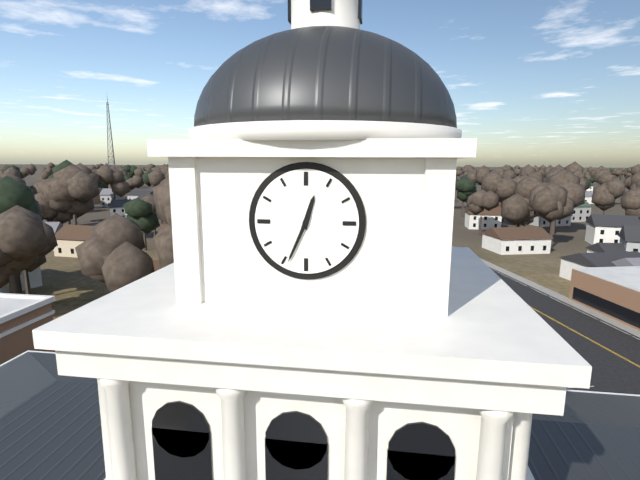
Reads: 12:34
